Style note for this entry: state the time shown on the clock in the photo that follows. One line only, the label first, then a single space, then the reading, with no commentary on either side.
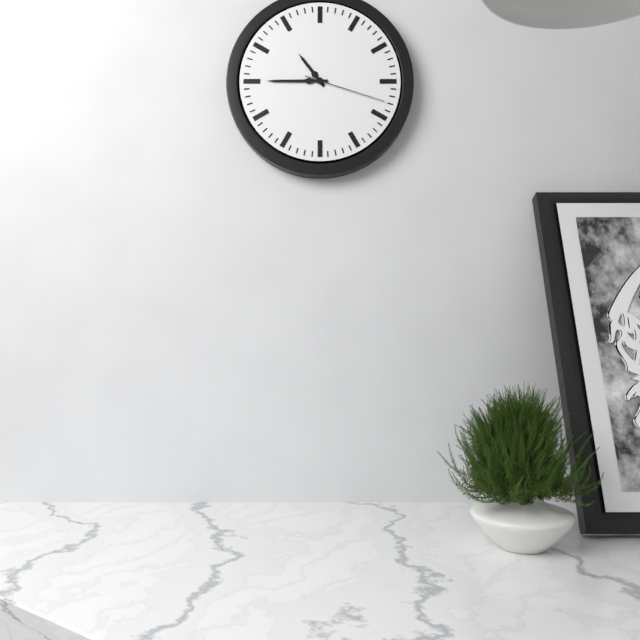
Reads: 10:45:18
